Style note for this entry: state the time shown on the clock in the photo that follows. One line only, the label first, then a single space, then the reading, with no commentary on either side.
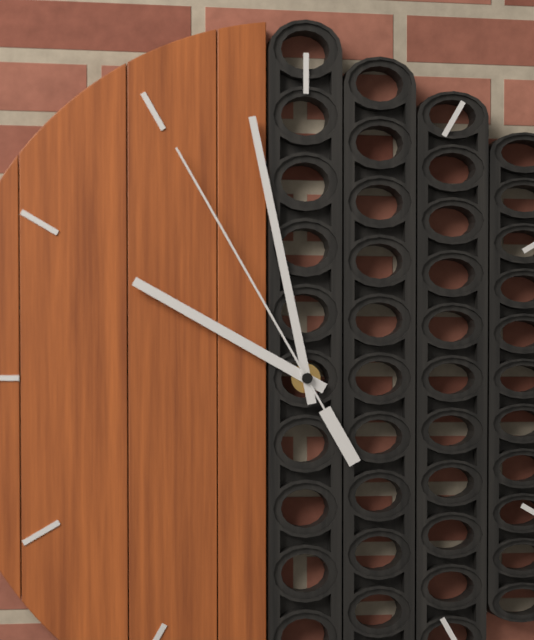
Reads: 9:58:55
